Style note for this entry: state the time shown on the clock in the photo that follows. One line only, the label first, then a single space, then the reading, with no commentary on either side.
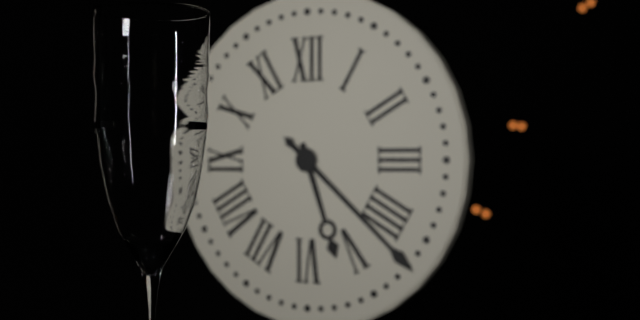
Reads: 5:22
